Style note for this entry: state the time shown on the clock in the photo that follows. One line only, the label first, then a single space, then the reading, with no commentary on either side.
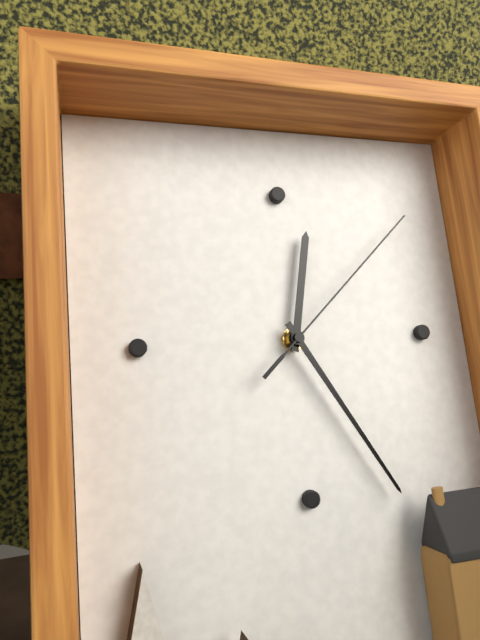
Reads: 12:25:08
